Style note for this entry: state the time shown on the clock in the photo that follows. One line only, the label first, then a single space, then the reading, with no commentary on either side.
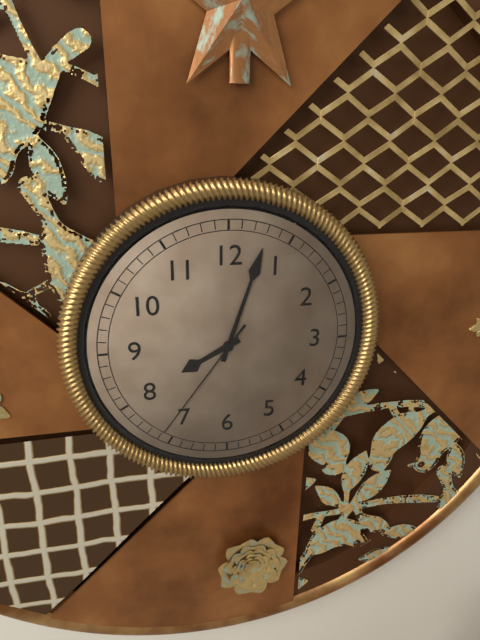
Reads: 8:03:36
